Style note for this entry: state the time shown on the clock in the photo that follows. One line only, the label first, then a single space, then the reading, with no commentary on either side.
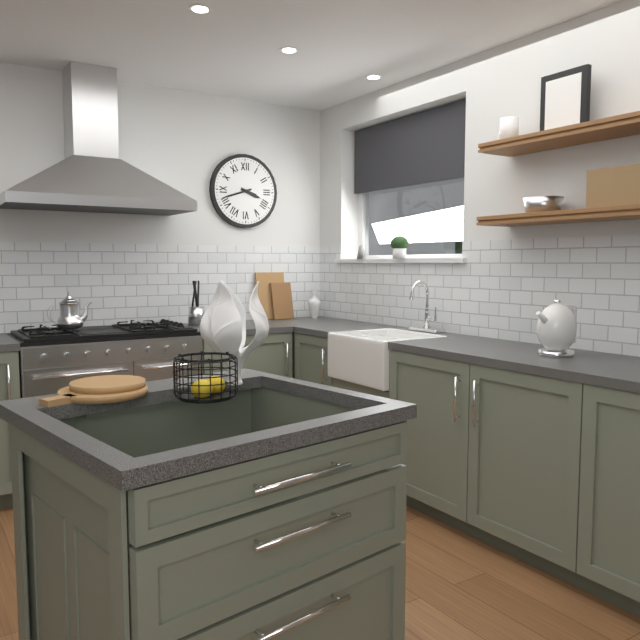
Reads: 3:42
